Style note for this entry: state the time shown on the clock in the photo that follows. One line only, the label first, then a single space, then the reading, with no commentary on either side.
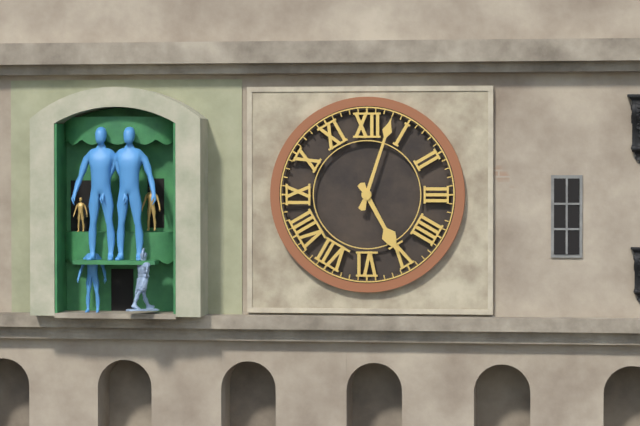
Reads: 5:03
